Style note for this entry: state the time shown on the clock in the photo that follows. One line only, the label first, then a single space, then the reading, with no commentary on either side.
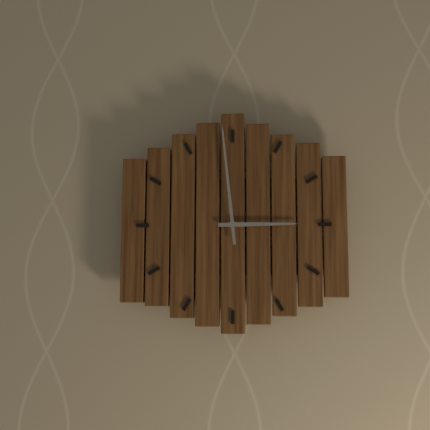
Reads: 2:59
